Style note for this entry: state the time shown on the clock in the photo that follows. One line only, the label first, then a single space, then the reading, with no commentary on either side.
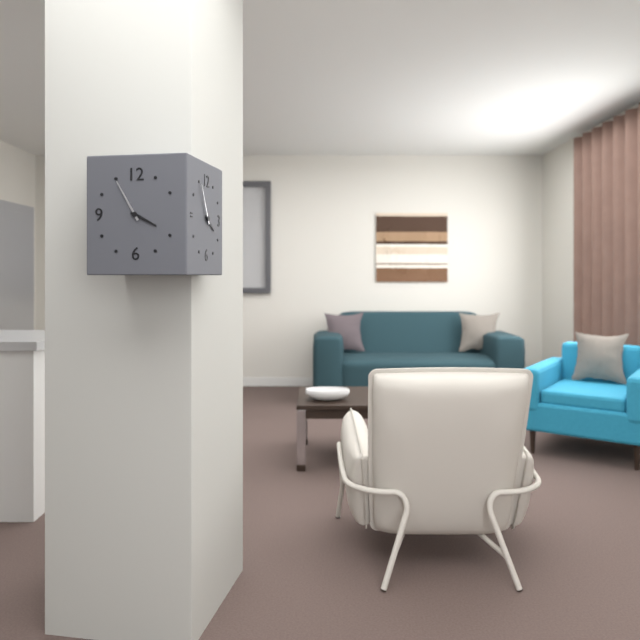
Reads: 3:55
